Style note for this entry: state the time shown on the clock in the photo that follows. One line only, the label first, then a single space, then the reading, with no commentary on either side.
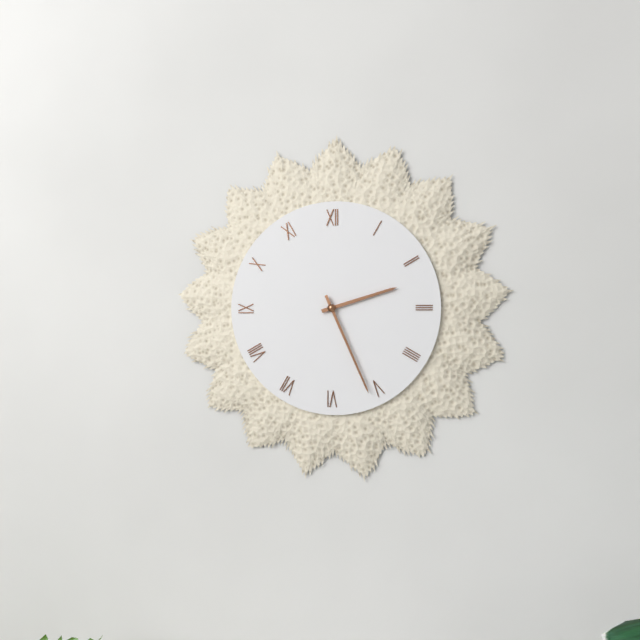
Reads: 2:26
